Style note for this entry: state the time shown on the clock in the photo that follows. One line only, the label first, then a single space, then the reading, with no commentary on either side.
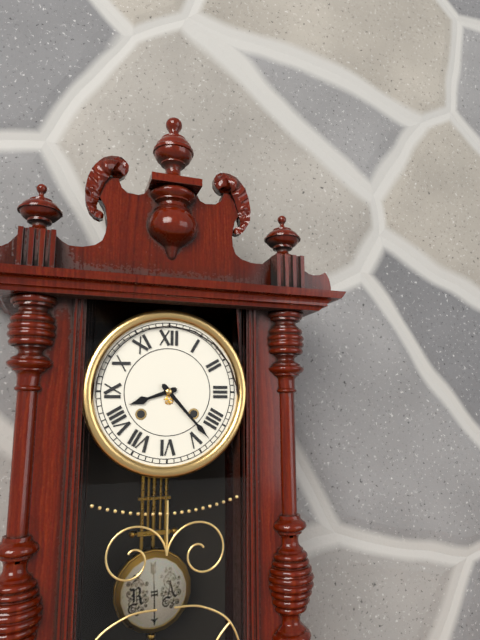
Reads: 8:23
